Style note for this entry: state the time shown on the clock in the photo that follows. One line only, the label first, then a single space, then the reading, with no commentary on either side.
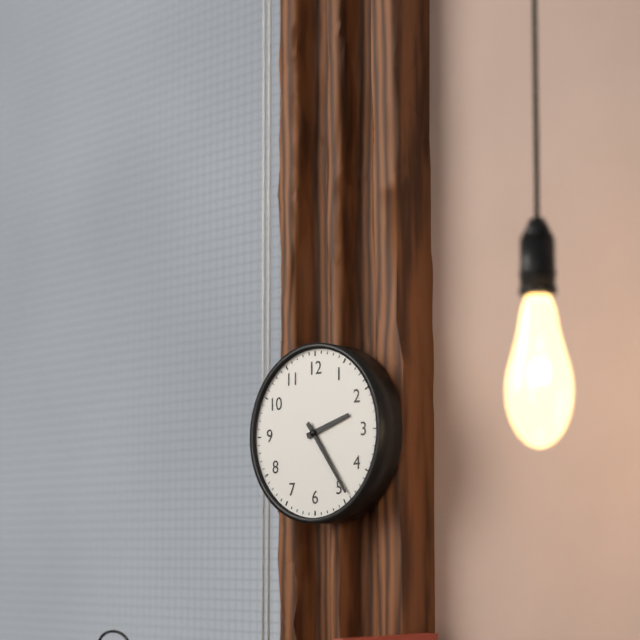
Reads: 2:24
